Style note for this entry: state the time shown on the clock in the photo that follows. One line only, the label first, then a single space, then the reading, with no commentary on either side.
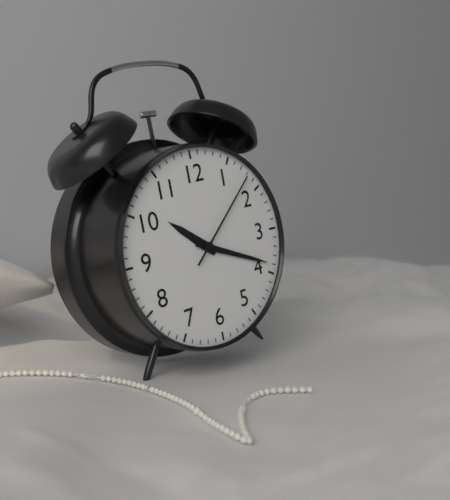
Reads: 10:19:08
